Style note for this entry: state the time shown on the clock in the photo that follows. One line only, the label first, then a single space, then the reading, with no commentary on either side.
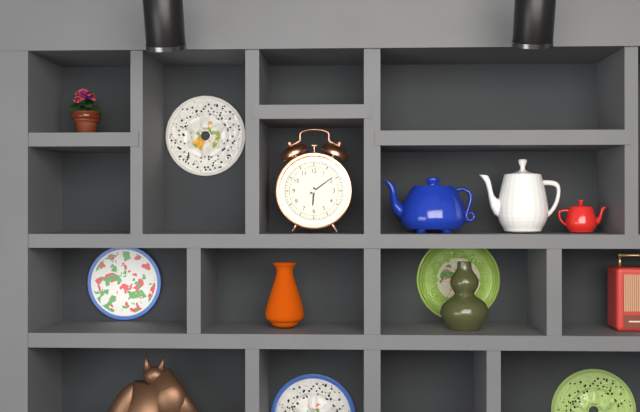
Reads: 6:09
